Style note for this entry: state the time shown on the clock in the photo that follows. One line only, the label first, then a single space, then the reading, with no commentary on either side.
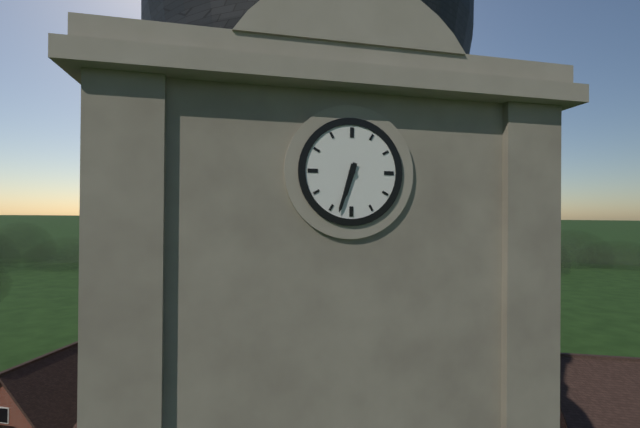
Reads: 6:33
